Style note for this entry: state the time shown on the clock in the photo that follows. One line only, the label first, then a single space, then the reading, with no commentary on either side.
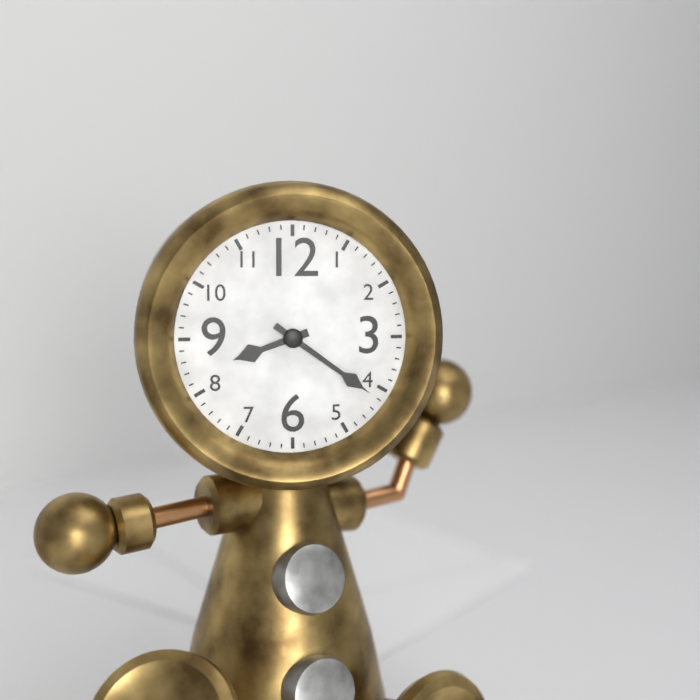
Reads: 8:21
